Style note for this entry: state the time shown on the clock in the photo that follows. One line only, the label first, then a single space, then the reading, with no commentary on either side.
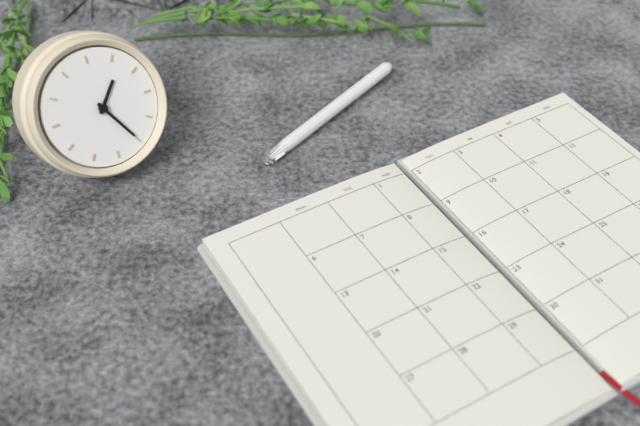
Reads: 12:20
